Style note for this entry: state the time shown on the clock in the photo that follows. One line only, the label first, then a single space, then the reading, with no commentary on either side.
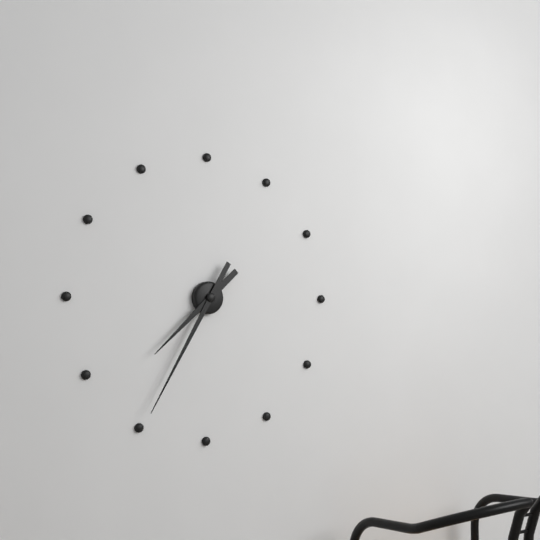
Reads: 7:35
